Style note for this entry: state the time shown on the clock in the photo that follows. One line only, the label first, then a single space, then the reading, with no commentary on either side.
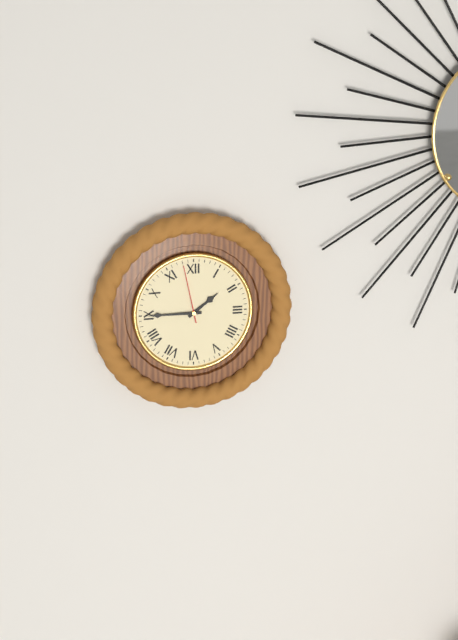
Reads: 1:45:58
